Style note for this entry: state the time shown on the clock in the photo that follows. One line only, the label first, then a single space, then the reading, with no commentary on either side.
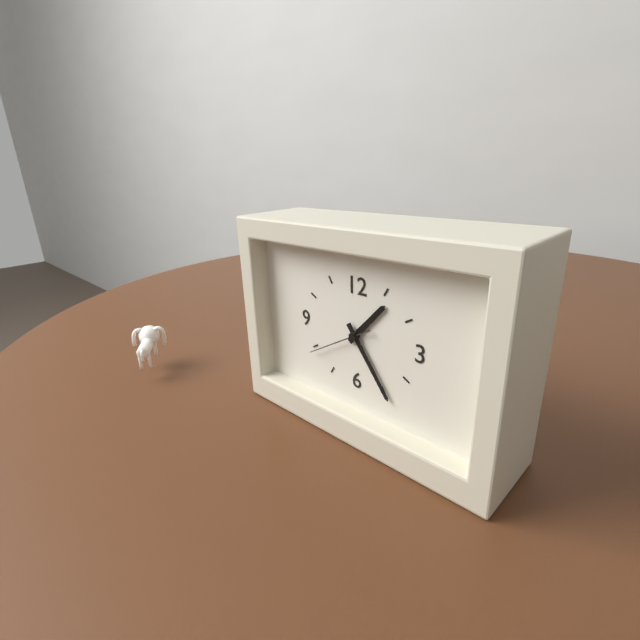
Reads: 1:24:40
